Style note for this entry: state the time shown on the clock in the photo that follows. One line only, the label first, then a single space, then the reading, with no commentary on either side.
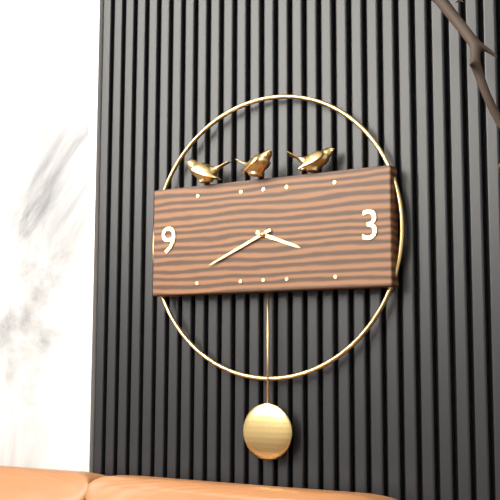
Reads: 3:41
